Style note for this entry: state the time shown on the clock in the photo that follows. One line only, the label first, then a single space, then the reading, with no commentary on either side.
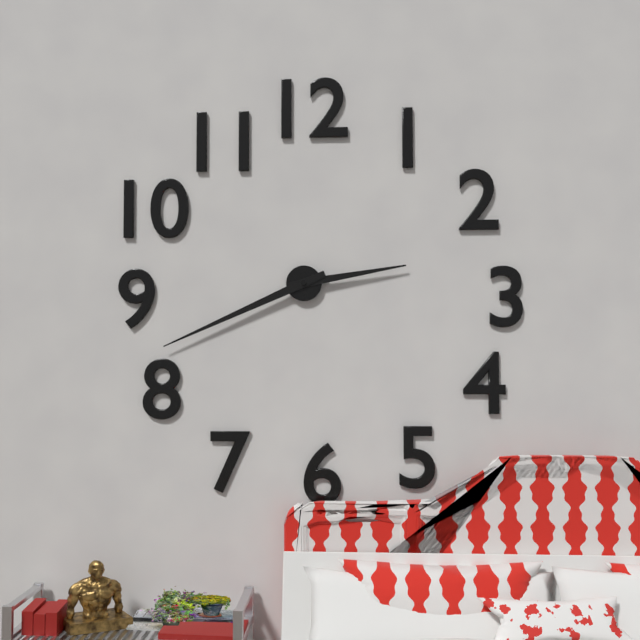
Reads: 2:41
